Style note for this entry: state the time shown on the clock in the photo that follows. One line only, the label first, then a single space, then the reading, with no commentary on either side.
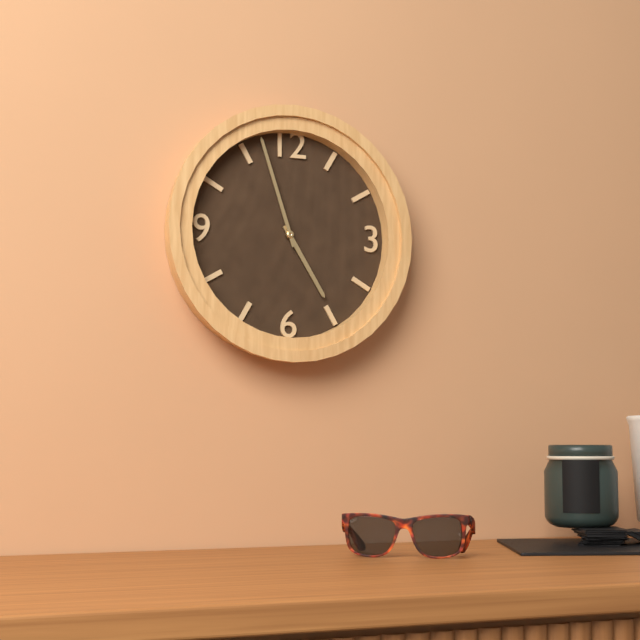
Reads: 4:57
